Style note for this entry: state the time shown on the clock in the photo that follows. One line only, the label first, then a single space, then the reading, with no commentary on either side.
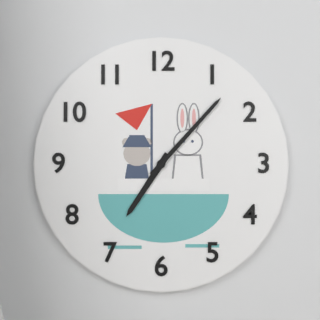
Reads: 7:07
